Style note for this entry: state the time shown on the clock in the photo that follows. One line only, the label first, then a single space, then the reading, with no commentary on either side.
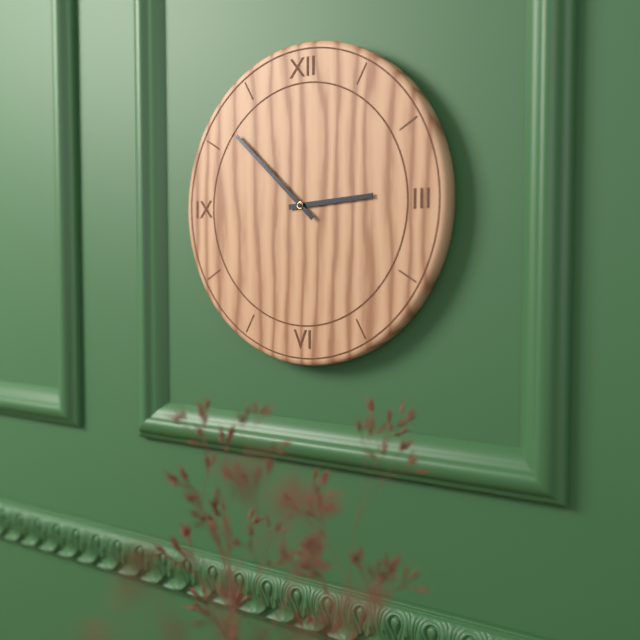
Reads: 2:52
